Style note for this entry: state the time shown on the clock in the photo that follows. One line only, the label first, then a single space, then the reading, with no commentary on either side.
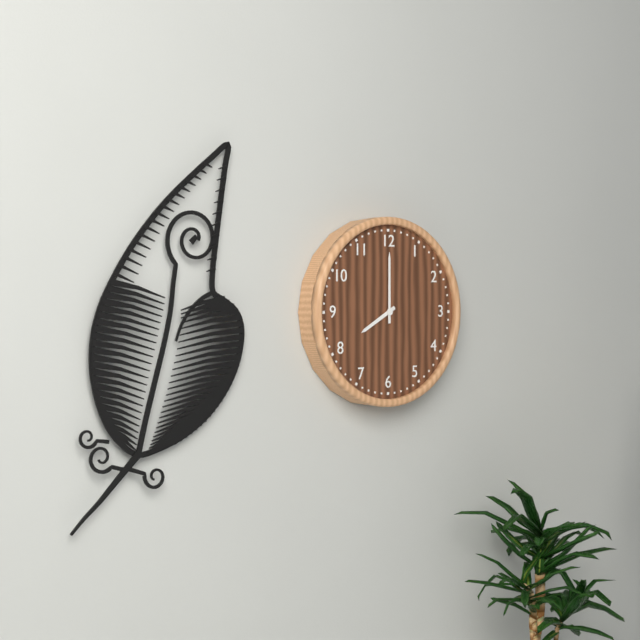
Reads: 8:00
